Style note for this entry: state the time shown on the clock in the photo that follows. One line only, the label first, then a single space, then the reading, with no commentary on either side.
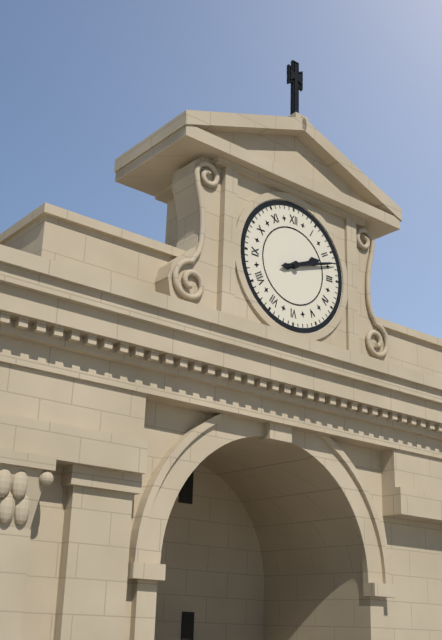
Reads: 2:12
